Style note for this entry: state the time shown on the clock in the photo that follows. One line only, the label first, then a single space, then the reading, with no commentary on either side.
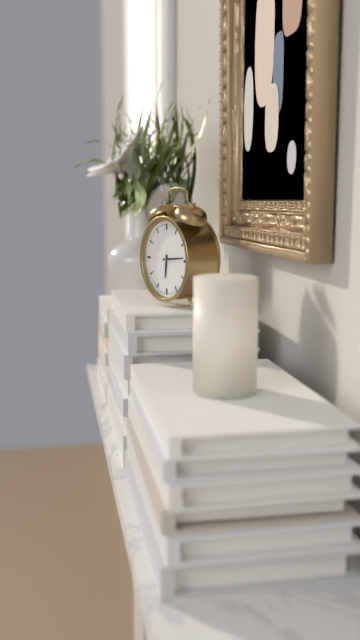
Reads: 6:14
